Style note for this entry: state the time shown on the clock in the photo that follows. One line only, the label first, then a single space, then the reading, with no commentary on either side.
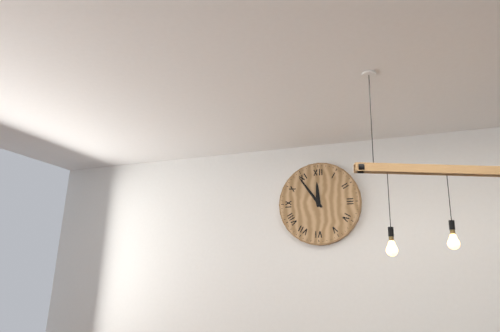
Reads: 11:54
